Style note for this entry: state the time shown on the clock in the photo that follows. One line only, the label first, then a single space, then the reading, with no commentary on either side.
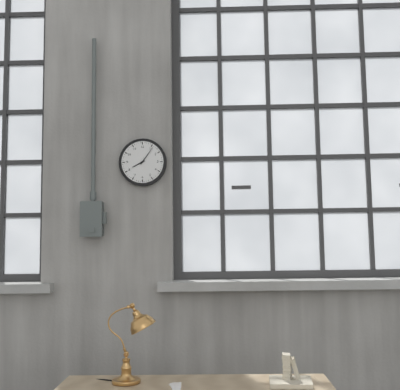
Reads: 8:06
